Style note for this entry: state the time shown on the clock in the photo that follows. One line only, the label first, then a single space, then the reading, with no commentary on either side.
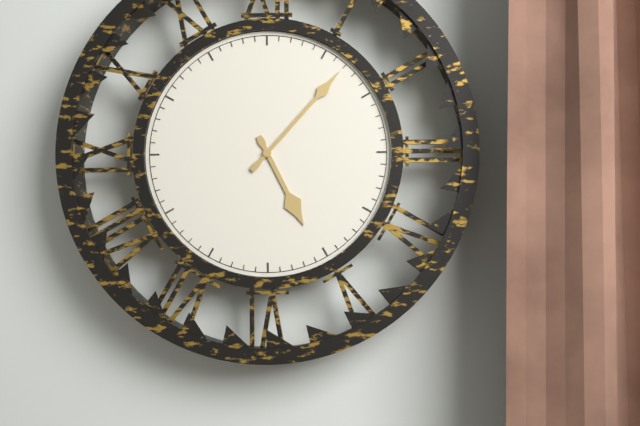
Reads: 5:07
